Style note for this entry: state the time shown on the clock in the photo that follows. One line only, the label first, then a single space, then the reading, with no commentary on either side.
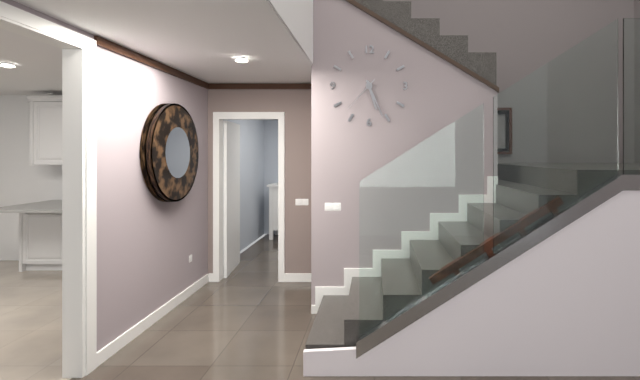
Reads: 5:26
